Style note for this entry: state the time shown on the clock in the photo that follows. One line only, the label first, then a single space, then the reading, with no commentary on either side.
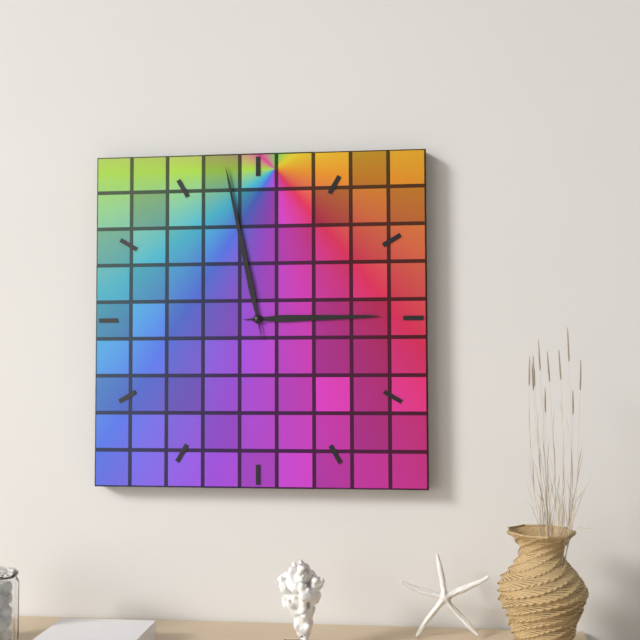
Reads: 2:58
